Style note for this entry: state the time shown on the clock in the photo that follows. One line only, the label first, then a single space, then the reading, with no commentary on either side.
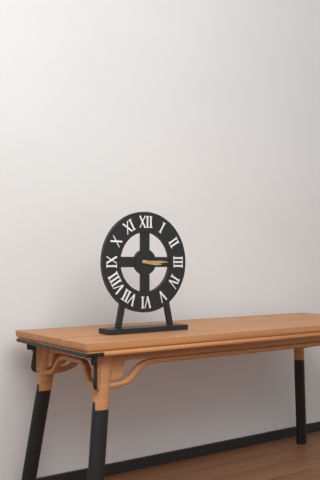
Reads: 3:15
